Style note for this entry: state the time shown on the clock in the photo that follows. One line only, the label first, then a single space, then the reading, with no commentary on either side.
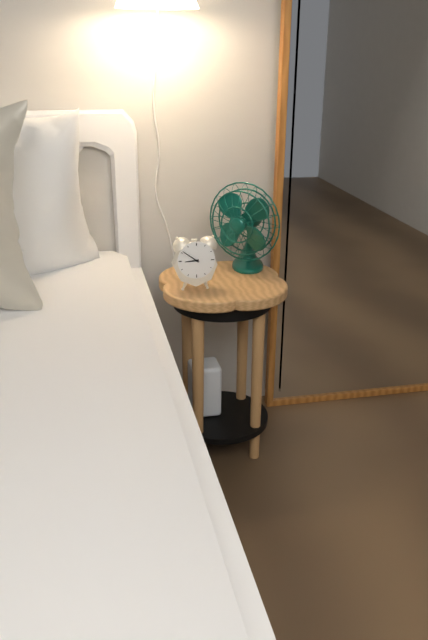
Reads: 8:51
